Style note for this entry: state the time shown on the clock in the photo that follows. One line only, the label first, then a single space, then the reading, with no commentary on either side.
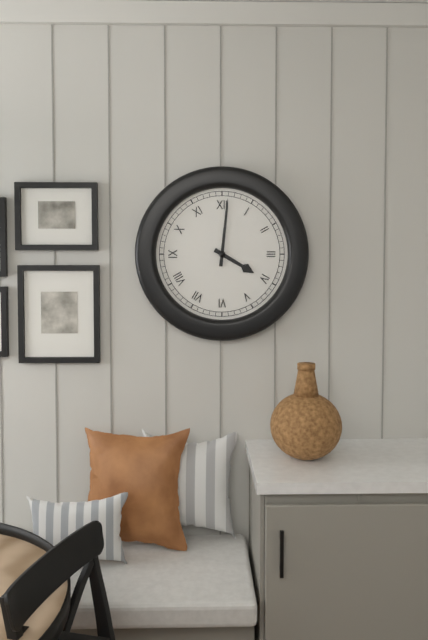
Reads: 4:01
